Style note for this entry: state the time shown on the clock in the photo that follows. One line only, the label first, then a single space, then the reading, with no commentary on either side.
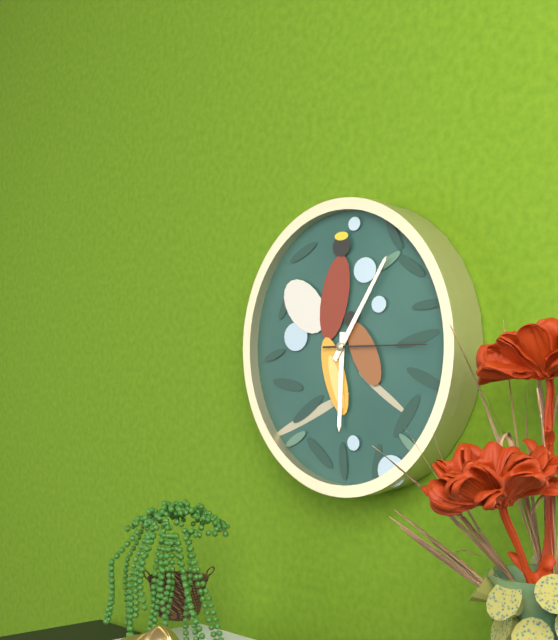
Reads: 6:06:15
